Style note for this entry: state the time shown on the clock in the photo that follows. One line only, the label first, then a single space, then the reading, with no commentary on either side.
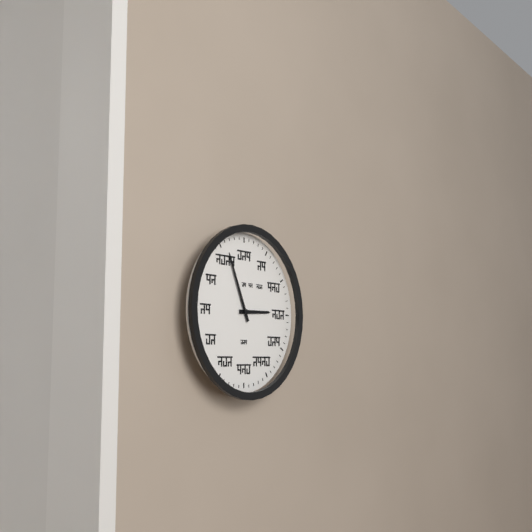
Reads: 2:56
